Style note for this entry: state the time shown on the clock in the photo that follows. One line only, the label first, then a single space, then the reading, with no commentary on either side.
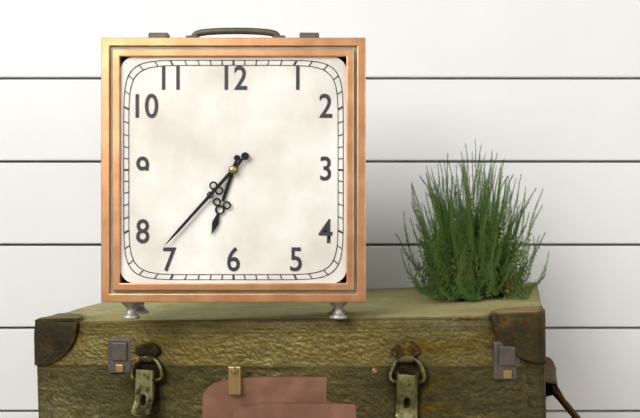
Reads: 6:37
